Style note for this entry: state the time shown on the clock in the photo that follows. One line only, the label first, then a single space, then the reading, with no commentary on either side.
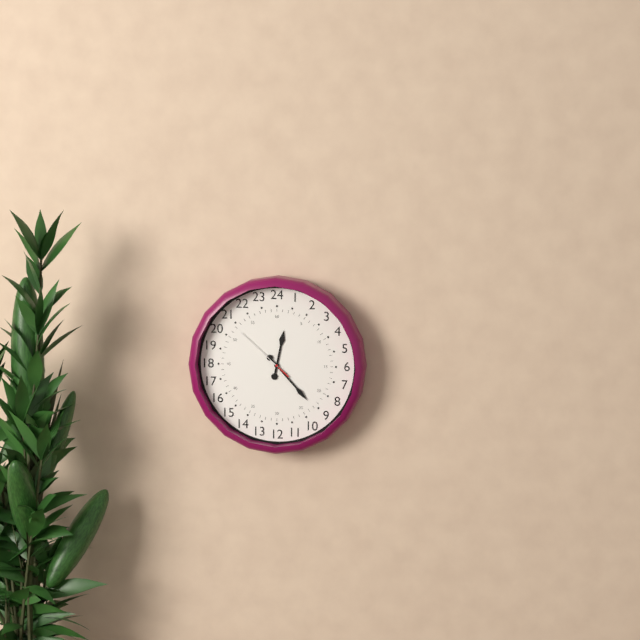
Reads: 12:23:52
